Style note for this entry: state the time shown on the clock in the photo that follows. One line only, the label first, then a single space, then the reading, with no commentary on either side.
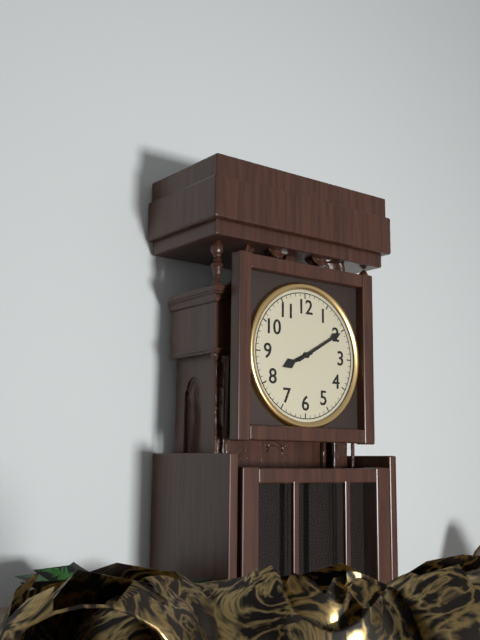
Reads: 8:10
